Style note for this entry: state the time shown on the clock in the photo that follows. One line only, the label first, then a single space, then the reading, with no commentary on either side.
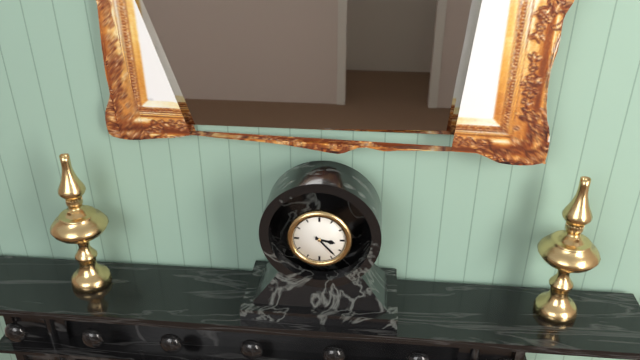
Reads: 3:23
